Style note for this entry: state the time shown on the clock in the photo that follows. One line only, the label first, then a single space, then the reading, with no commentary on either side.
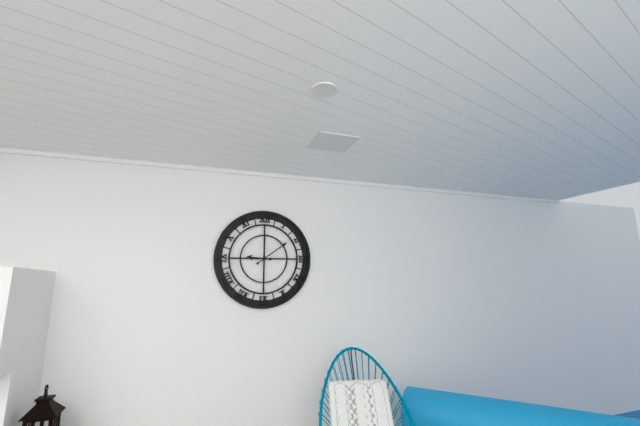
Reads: 9:09
